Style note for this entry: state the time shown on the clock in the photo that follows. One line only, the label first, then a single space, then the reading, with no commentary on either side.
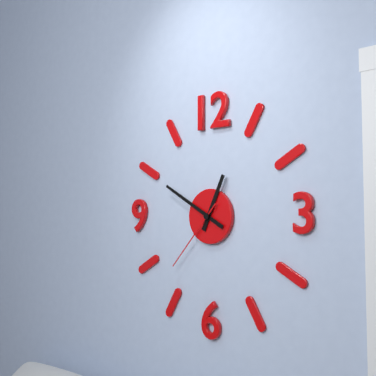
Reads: 12:50:37
